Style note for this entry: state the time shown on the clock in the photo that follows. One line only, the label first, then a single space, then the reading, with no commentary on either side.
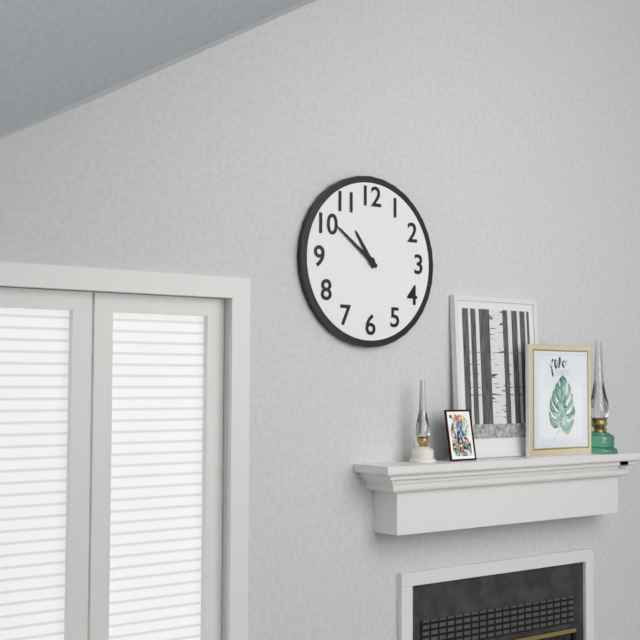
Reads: 10:51
